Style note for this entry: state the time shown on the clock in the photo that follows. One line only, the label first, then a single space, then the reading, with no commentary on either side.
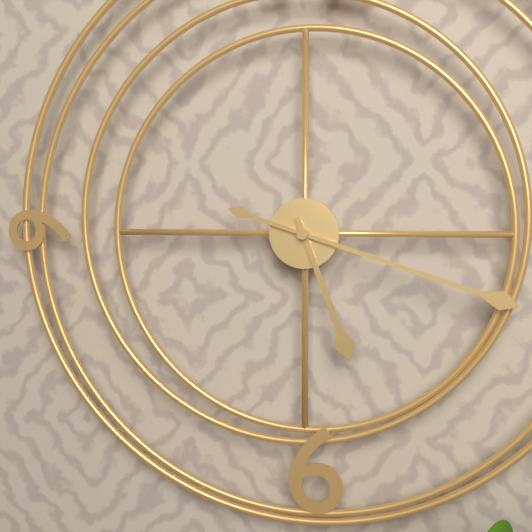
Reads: 5:18
